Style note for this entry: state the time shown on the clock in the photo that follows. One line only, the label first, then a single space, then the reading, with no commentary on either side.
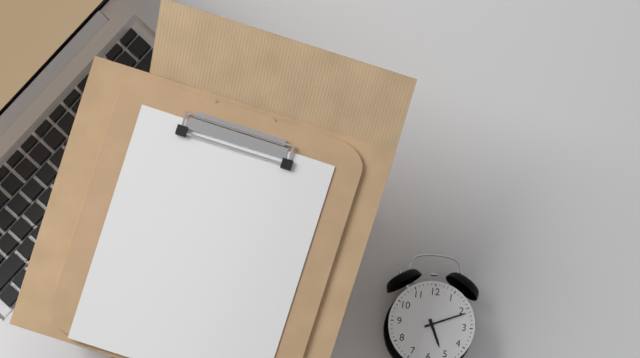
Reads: 5:11
